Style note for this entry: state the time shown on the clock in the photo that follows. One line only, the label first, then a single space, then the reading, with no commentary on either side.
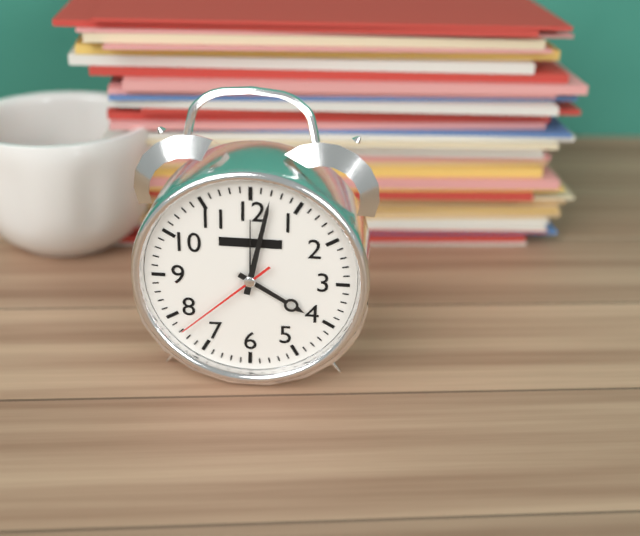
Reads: 4:02:38
